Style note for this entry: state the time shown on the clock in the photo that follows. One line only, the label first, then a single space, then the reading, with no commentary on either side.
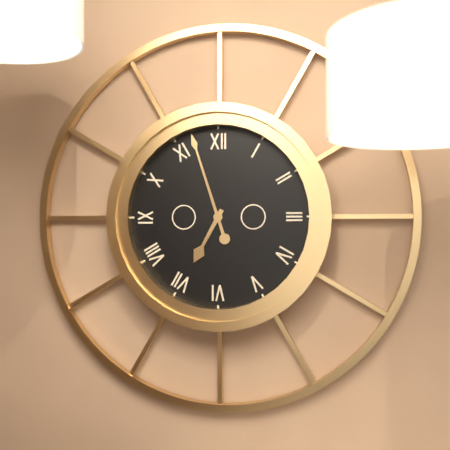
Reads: 6:57
